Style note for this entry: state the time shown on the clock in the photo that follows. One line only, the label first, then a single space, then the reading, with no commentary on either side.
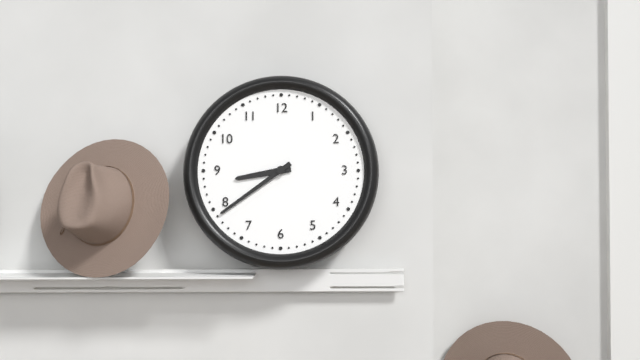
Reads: 8:39
